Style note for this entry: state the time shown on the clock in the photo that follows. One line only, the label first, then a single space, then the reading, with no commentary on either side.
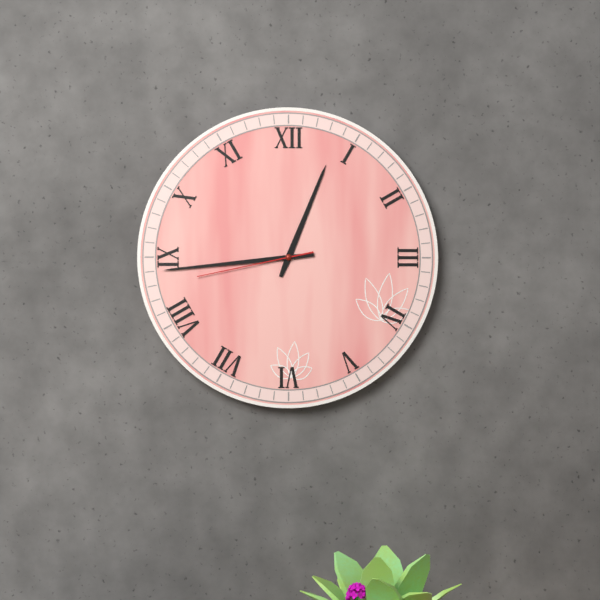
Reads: 12:44:43
